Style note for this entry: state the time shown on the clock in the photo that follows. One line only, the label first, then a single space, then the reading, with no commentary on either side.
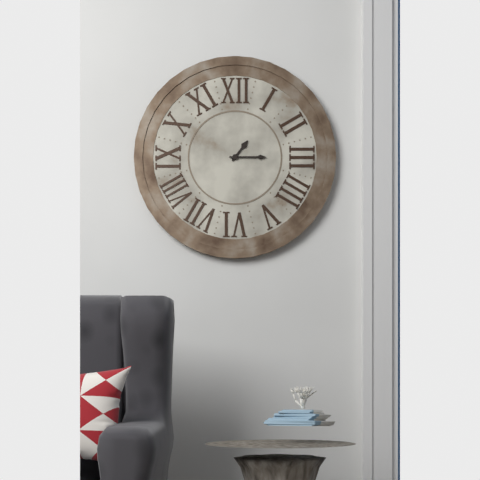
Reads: 1:15
